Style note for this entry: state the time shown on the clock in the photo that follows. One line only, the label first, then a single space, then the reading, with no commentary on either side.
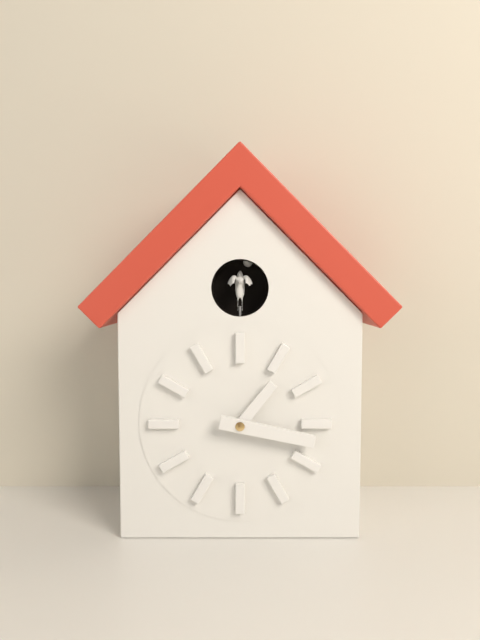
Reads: 1:17
